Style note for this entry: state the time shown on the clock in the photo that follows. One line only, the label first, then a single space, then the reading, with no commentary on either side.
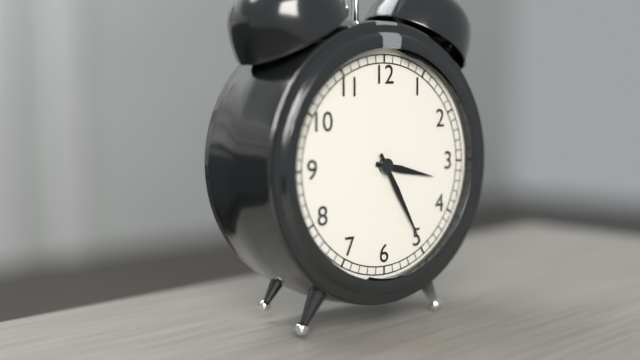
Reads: 3:25
